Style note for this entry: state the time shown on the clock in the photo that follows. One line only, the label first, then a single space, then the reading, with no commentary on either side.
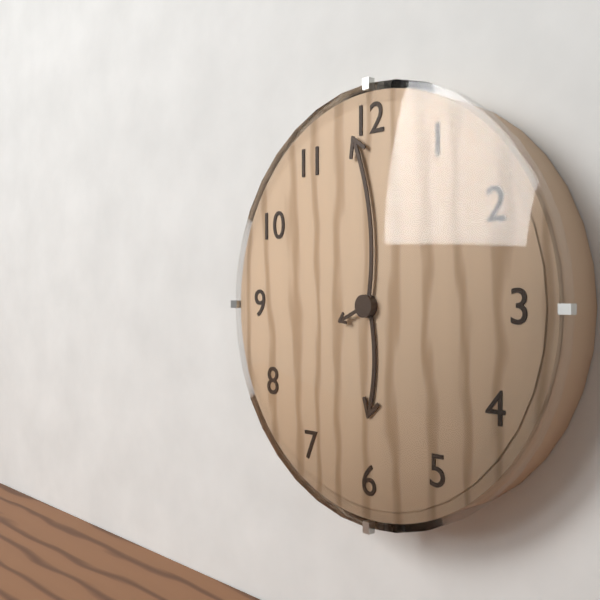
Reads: 5:59
